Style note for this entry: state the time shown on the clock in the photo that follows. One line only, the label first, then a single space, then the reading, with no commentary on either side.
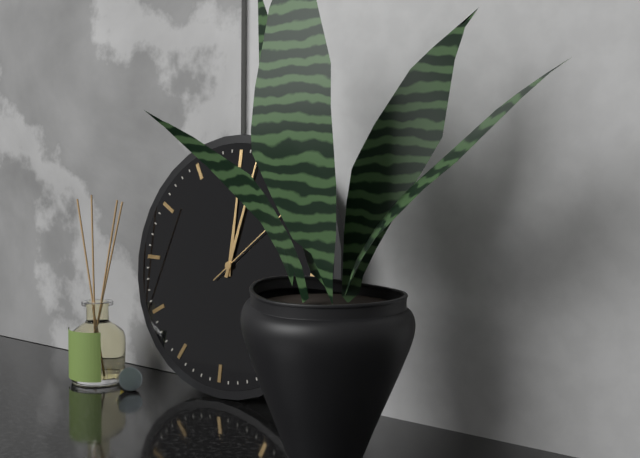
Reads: 12:02
